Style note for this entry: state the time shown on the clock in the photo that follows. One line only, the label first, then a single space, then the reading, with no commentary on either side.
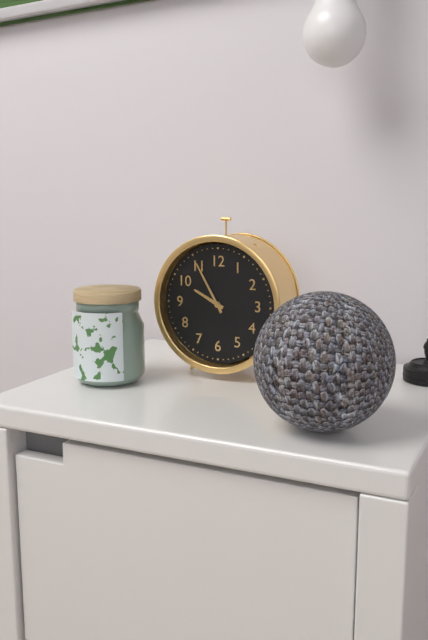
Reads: 9:55
